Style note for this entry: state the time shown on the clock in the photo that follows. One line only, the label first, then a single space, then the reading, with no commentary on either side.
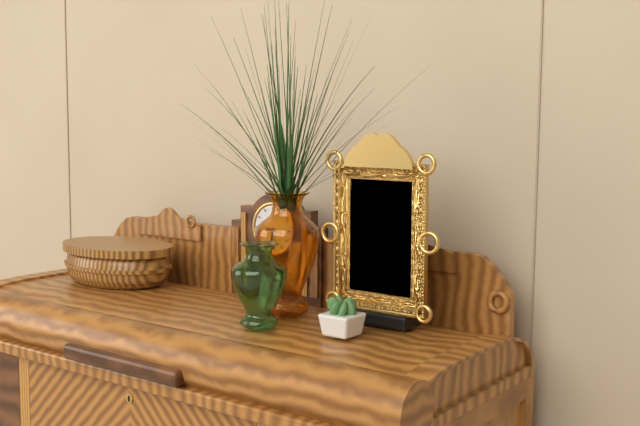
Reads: 9:32
